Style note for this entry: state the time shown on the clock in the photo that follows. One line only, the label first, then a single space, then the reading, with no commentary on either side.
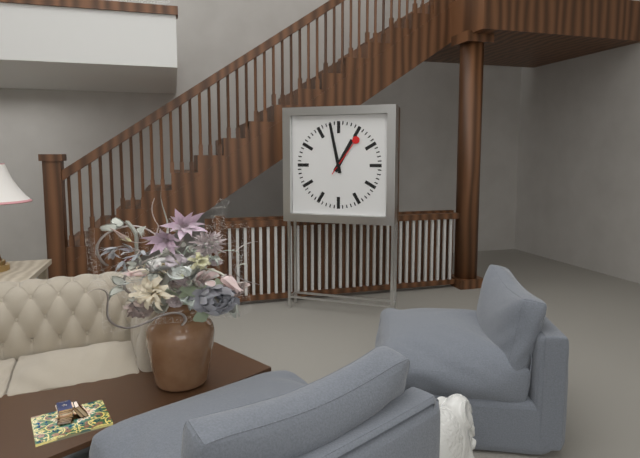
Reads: 12:58
